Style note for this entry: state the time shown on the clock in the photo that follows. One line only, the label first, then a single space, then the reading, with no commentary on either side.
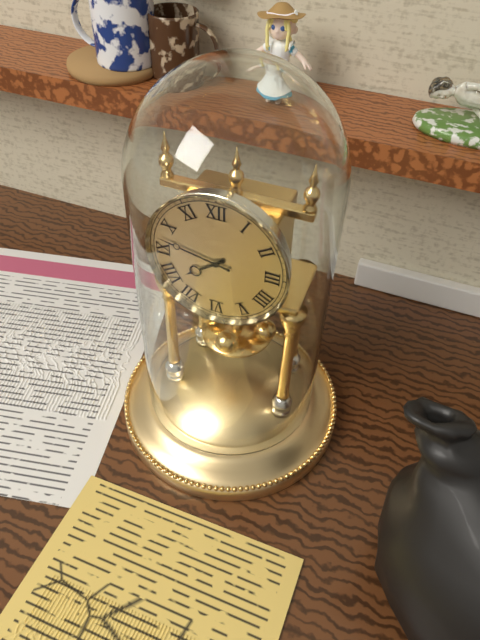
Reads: 7:47
